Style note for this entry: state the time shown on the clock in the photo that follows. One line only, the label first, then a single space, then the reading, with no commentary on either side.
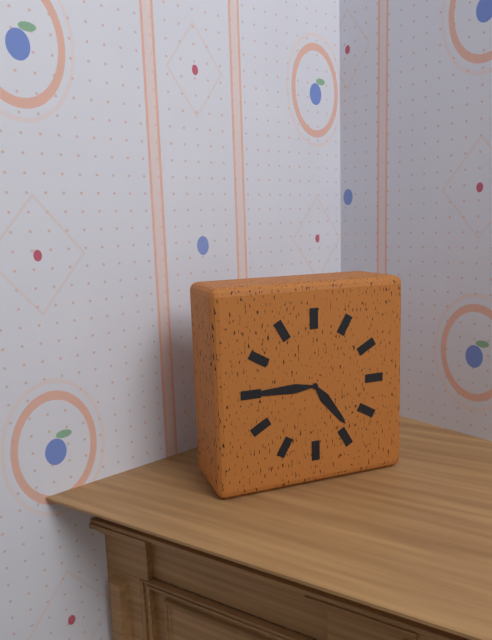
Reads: 4:45
